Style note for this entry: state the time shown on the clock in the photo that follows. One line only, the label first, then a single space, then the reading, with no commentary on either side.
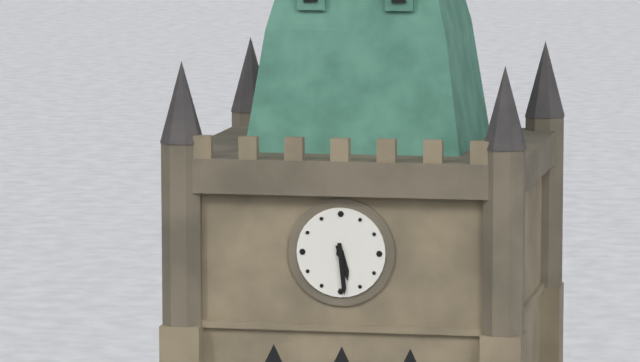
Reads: 5:29
